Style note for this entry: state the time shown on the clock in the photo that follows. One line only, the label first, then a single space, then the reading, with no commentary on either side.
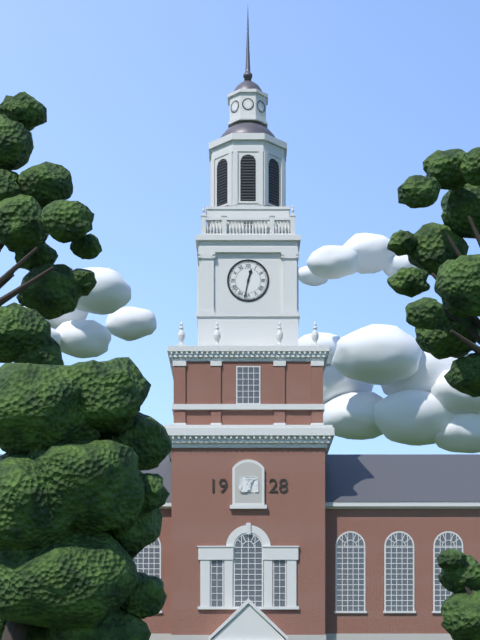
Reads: 12:32
